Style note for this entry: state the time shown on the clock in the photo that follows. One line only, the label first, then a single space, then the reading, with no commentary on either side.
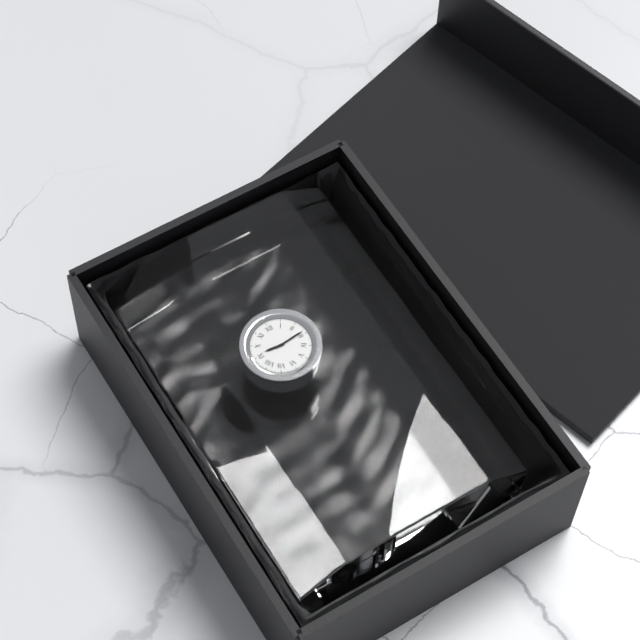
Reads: 9:14
